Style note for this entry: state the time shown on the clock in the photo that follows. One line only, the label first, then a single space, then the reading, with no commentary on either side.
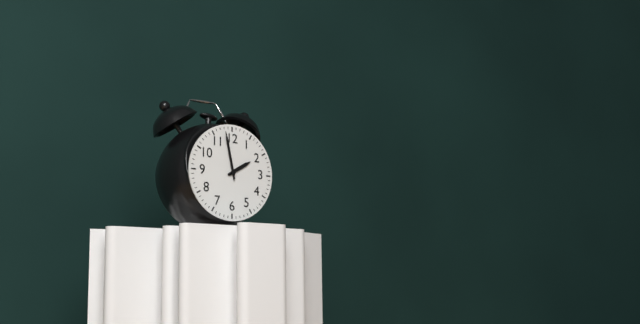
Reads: 1:58
